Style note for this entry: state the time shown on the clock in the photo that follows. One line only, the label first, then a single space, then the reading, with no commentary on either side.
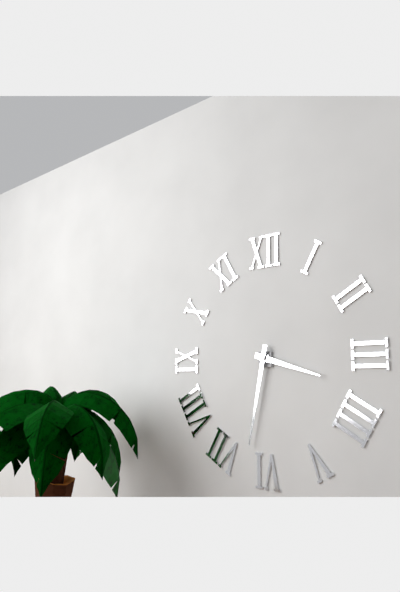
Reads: 3:32
